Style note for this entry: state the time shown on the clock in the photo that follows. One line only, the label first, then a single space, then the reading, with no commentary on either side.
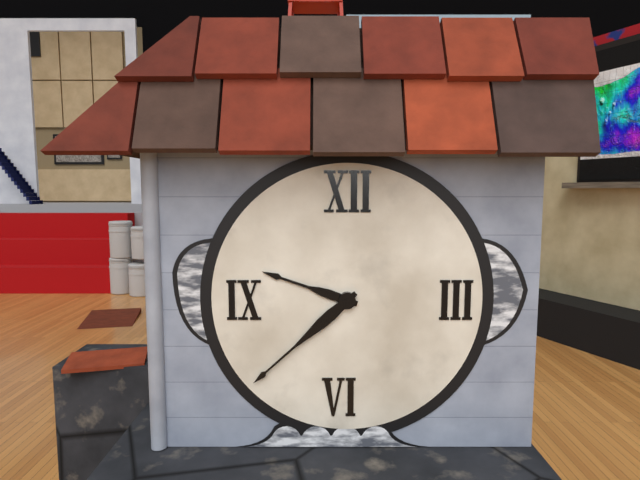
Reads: 9:38
